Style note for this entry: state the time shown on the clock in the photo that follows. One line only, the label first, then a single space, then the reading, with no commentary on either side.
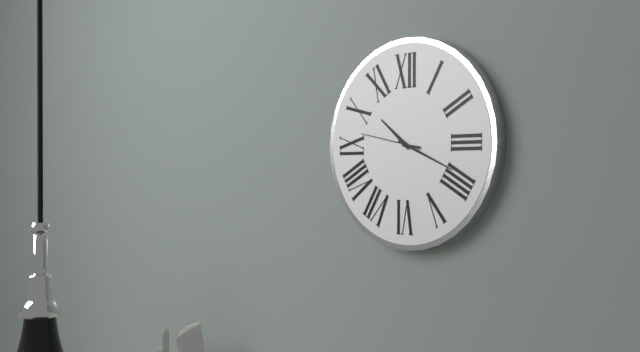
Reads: 10:19:47
